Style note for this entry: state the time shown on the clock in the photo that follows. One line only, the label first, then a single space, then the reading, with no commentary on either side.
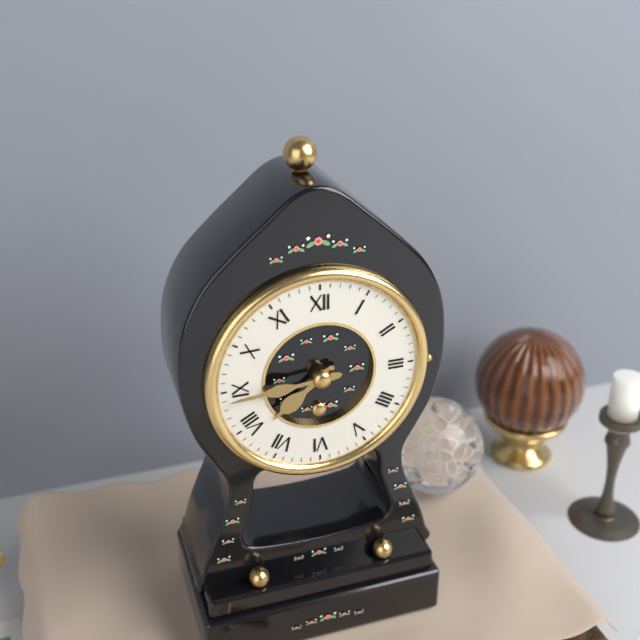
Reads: 7:44
